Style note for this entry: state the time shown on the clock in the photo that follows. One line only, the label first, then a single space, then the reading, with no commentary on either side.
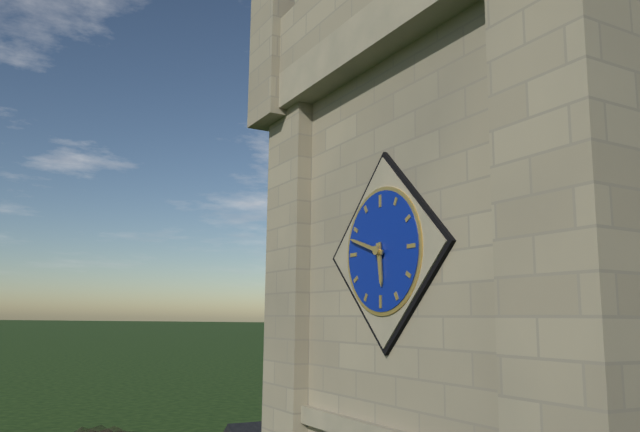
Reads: 5:48
